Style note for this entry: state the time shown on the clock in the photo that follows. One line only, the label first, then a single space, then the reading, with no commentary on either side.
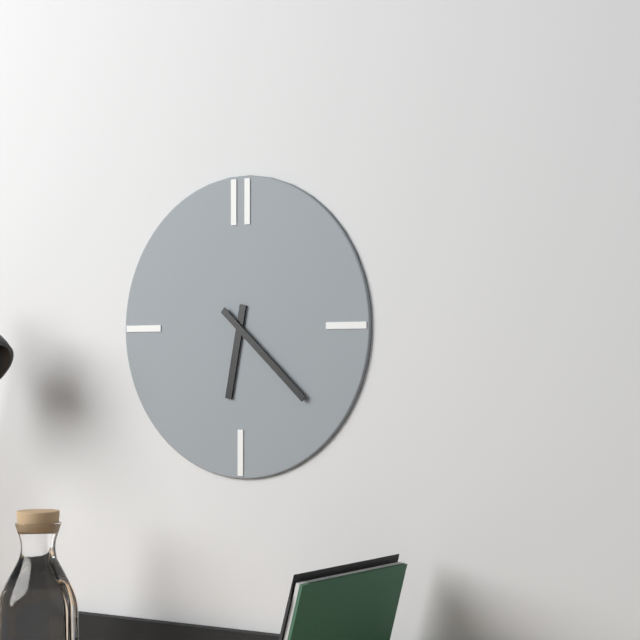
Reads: 6:22
